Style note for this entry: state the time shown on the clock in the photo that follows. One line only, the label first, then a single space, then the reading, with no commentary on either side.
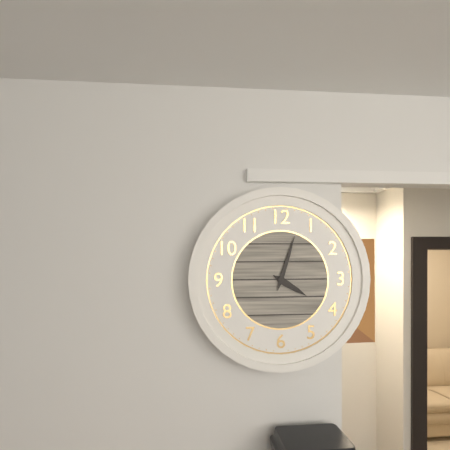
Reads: 4:03
